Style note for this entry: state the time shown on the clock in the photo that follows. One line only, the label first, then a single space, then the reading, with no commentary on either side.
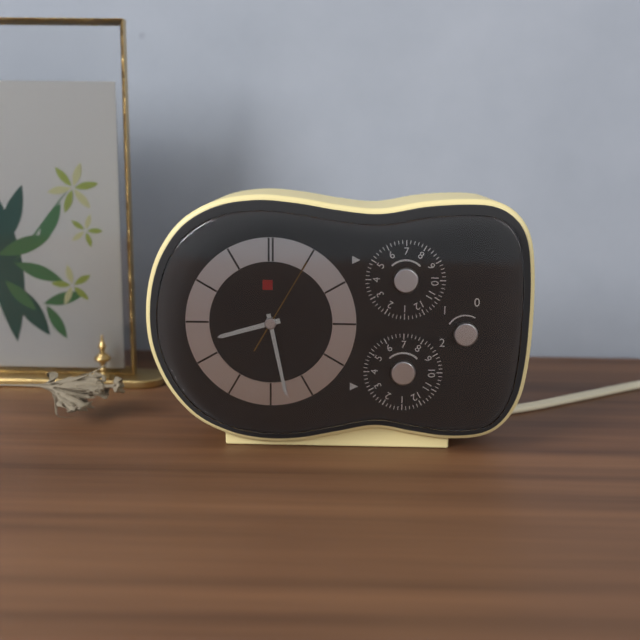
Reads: 8:28:05
